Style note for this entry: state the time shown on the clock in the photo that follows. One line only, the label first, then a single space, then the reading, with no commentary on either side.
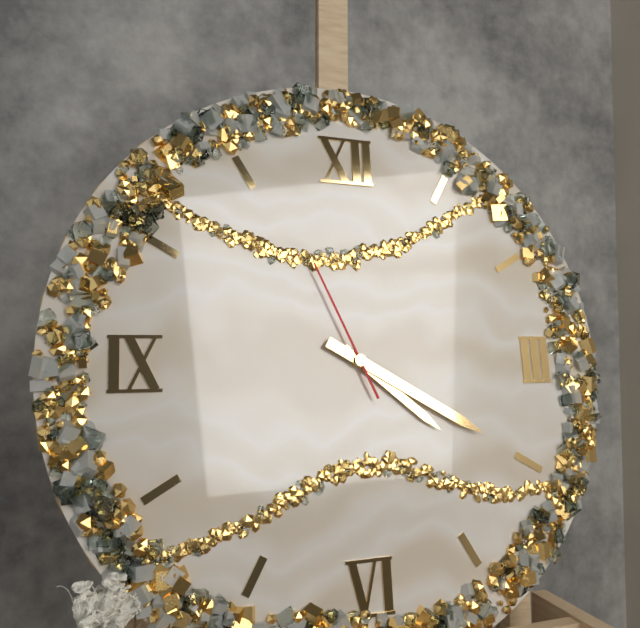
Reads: 4:20:56
